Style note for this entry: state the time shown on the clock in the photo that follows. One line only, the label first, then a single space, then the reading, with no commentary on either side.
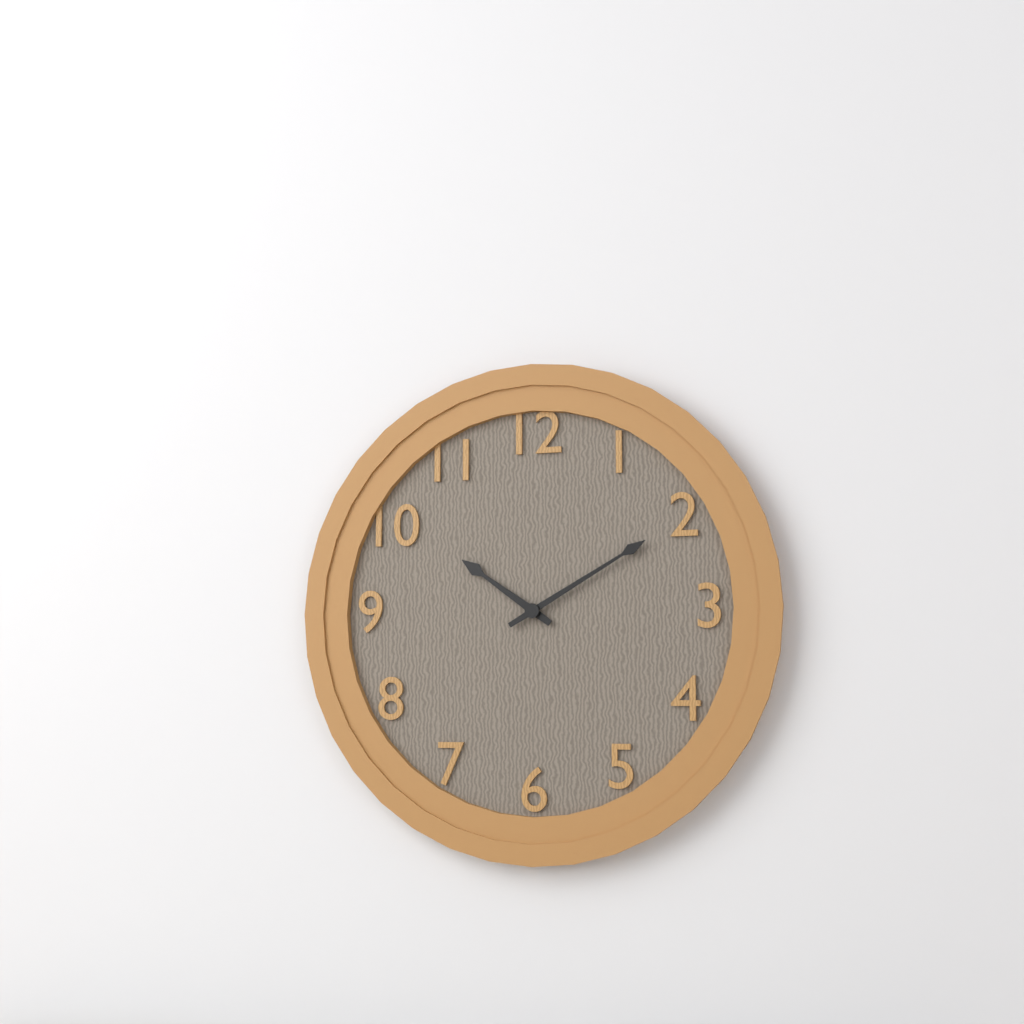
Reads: 10:10
